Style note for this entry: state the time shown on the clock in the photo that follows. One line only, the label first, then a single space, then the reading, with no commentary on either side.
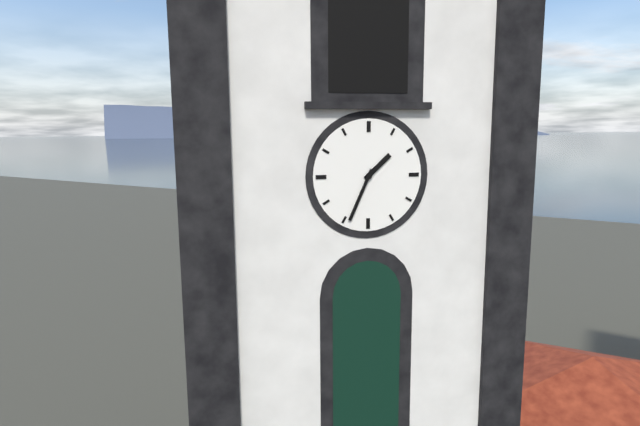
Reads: 1:34
